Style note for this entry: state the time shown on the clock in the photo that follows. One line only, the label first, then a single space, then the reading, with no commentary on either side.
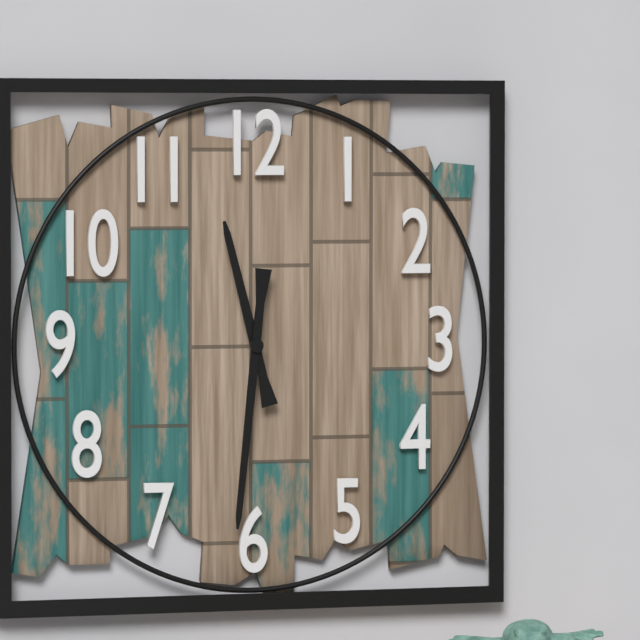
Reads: 11:31
